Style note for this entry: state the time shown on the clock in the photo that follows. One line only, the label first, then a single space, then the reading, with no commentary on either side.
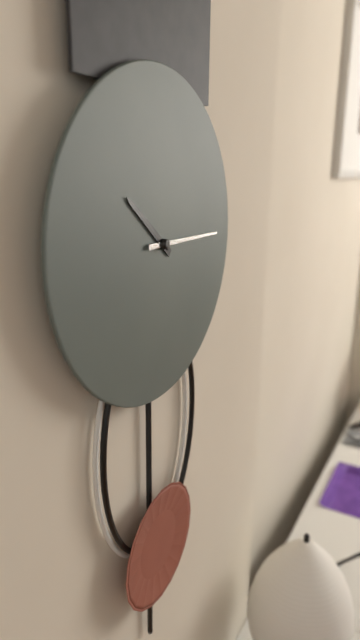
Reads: 10:15
